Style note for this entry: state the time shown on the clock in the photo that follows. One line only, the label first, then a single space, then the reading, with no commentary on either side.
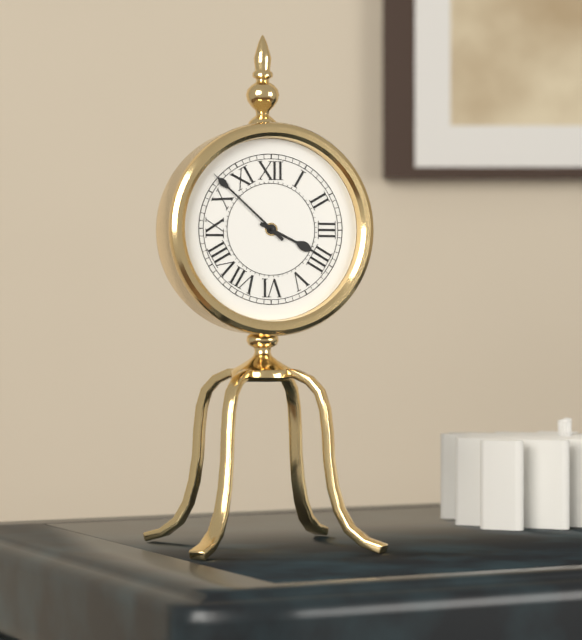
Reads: 3:52
